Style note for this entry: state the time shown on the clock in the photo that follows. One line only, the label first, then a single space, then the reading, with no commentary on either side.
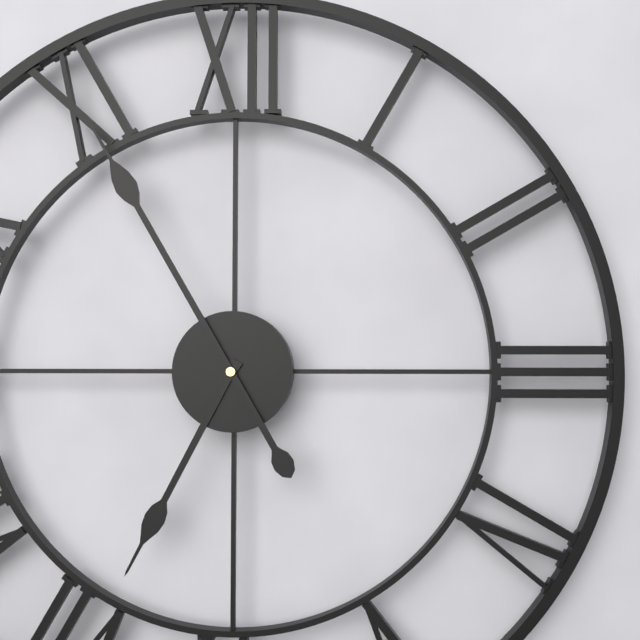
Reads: 6:55
